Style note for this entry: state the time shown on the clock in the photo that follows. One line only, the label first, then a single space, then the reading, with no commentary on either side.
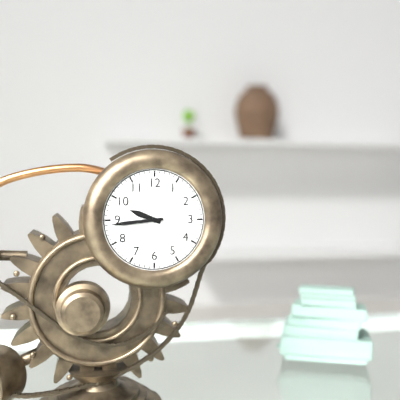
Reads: 9:44
